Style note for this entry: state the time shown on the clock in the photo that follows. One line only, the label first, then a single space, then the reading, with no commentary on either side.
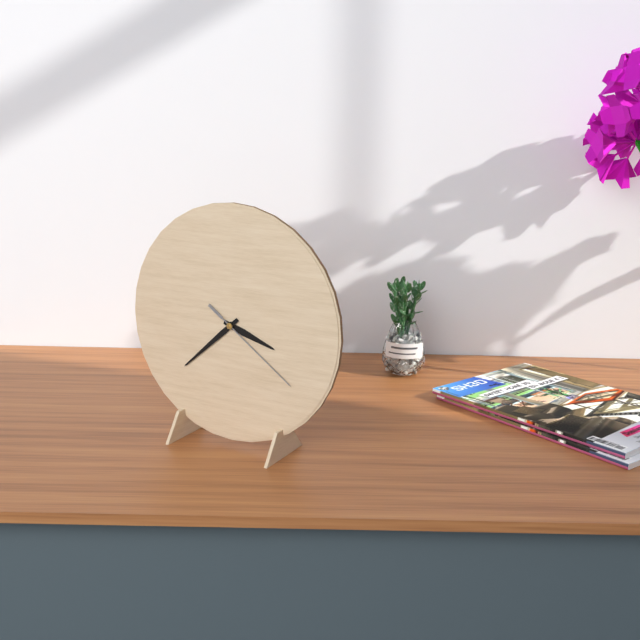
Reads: 3:38:21
